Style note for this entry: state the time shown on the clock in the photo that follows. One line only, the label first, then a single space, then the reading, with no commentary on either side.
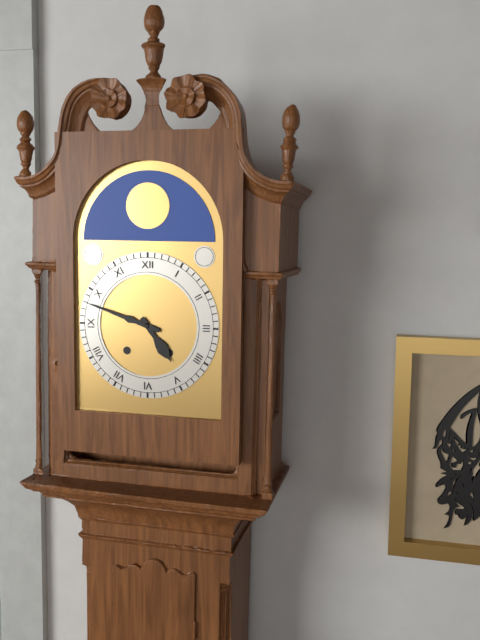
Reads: 4:48
